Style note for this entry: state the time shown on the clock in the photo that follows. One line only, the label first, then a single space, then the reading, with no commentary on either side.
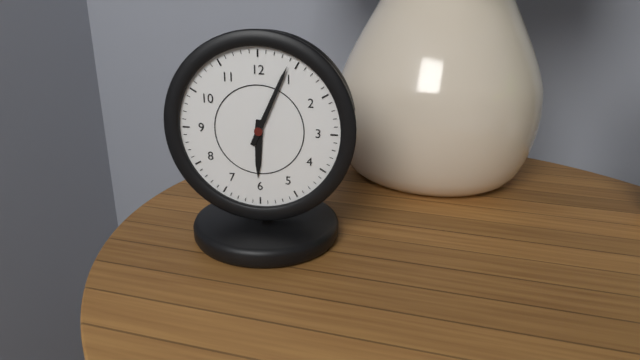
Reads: 6:04
